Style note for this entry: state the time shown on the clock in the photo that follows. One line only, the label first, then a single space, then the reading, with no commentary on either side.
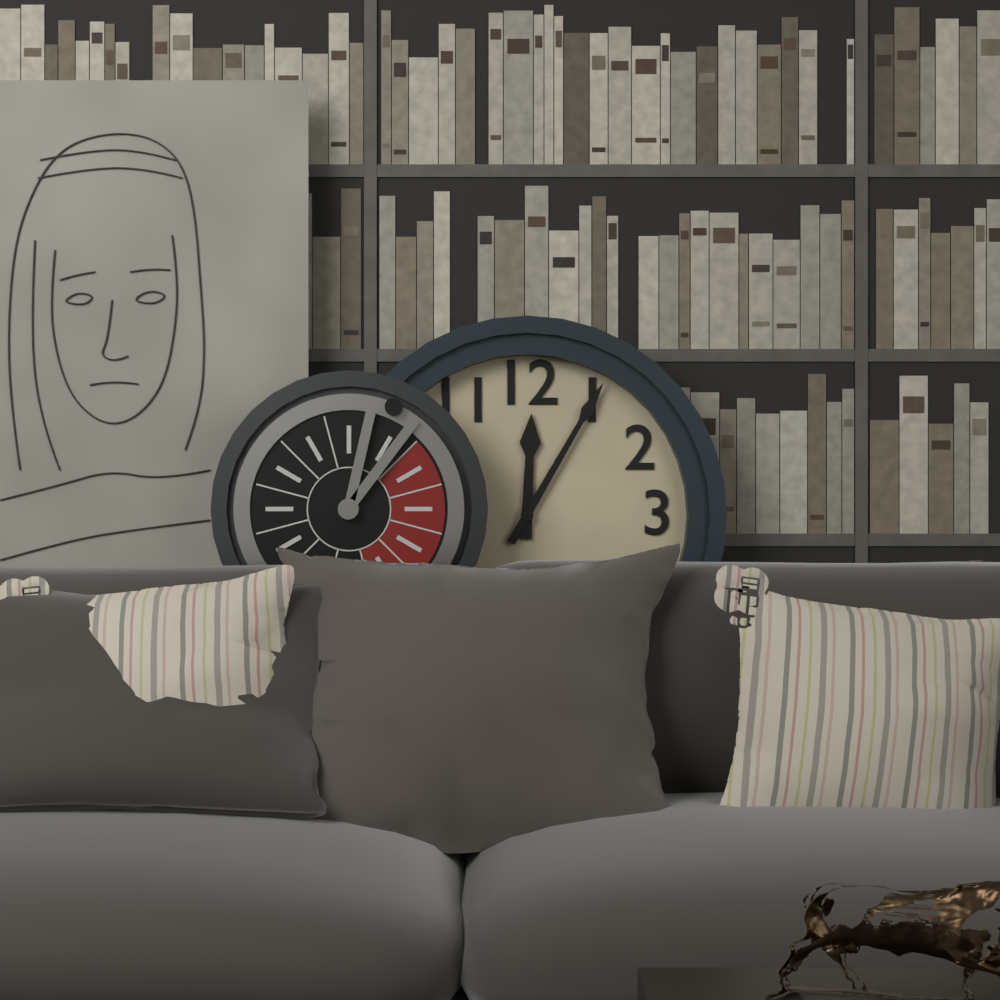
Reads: 12:05
